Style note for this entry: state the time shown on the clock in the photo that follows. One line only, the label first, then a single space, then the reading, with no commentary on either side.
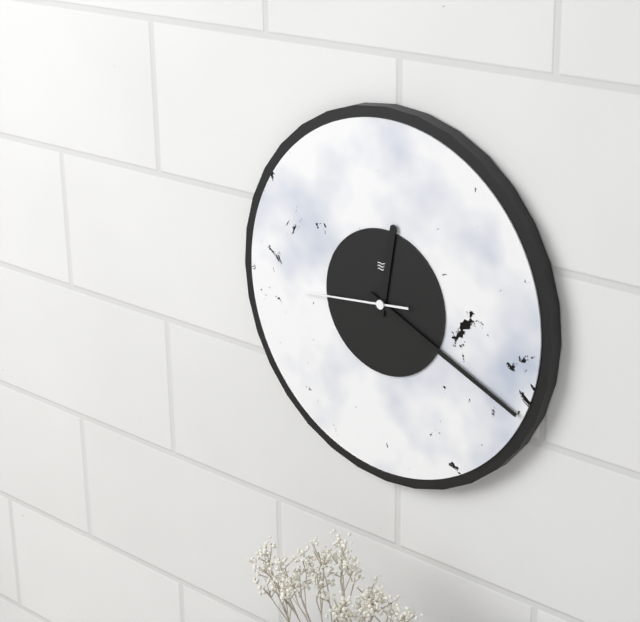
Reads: 12:19:44
